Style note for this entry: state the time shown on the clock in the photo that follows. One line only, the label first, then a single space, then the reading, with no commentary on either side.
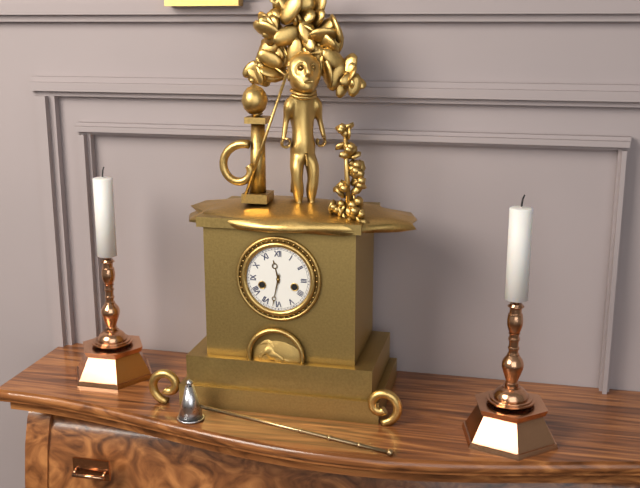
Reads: 11:32
